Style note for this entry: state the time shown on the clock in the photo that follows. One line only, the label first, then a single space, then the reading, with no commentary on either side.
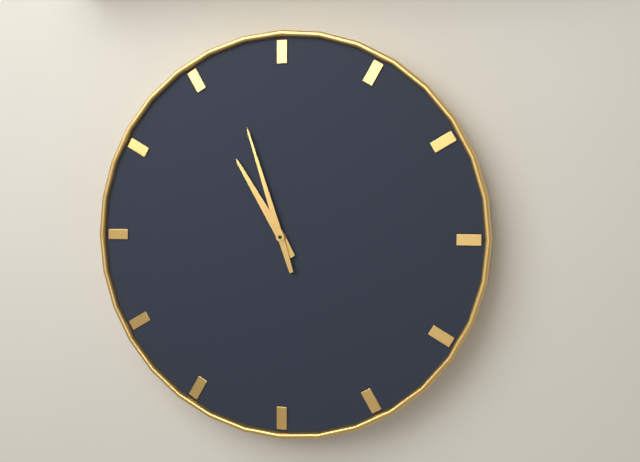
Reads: 10:57
